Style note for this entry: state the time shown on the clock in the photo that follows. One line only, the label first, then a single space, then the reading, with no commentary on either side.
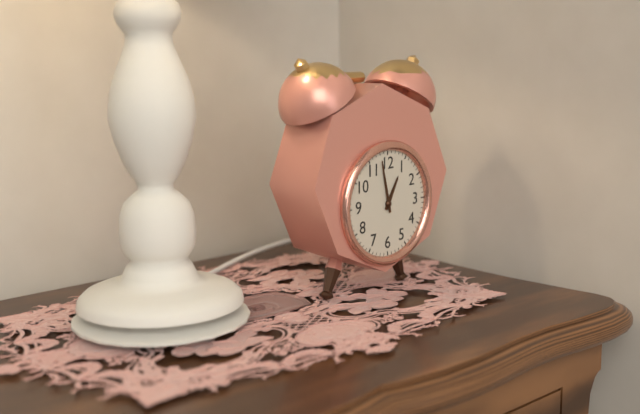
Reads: 12:58
